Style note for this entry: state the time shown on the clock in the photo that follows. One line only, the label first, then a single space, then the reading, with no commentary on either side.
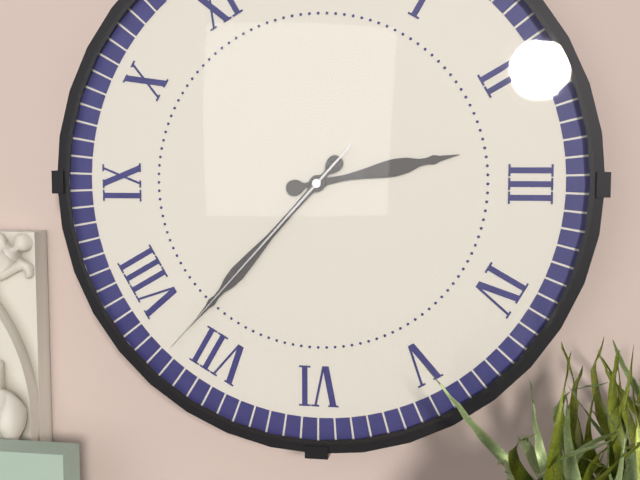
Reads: 2:37:37
